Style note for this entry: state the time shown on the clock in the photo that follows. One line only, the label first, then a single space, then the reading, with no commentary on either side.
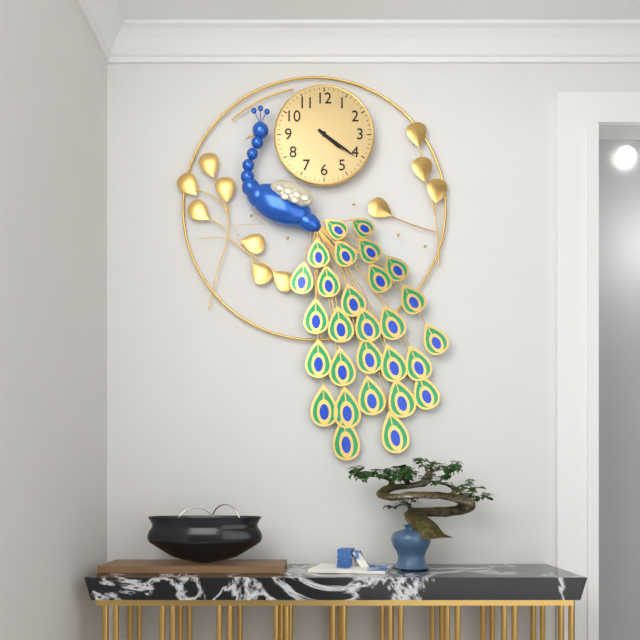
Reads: 4:21
